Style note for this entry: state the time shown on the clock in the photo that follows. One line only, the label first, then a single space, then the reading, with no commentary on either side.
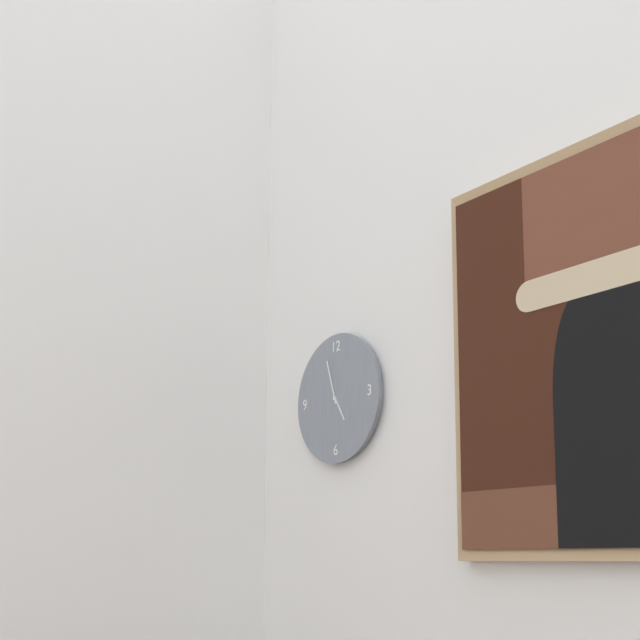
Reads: 4:57
